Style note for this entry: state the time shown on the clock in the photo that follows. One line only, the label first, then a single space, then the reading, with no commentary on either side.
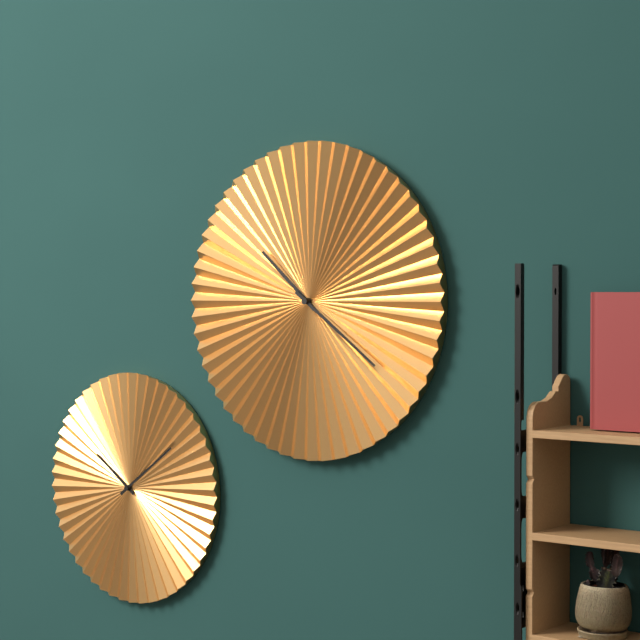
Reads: 10:21
